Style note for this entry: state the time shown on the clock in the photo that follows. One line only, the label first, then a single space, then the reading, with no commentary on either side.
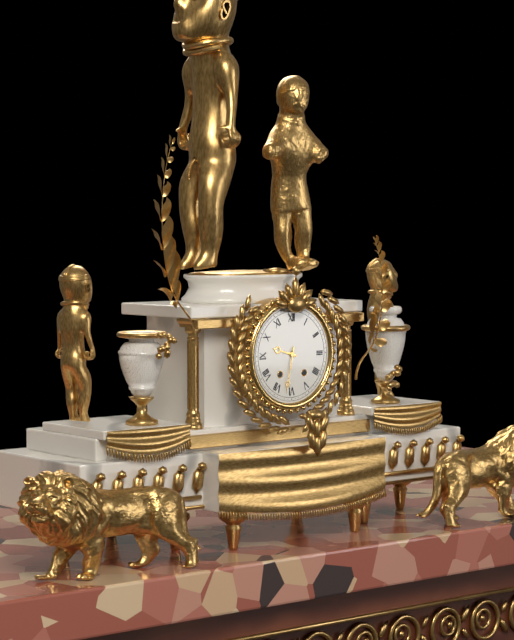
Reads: 9:32
